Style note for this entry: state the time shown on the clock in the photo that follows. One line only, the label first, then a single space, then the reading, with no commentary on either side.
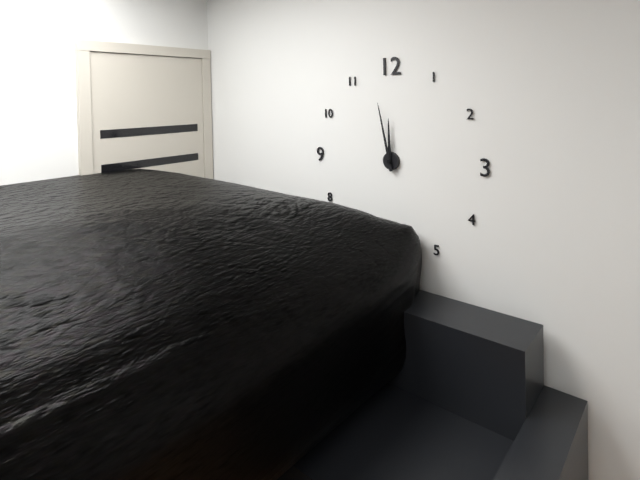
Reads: 11:58
